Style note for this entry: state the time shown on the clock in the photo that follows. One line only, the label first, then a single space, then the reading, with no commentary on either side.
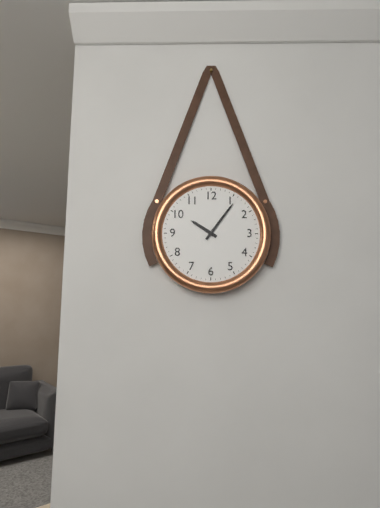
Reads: 10:06
